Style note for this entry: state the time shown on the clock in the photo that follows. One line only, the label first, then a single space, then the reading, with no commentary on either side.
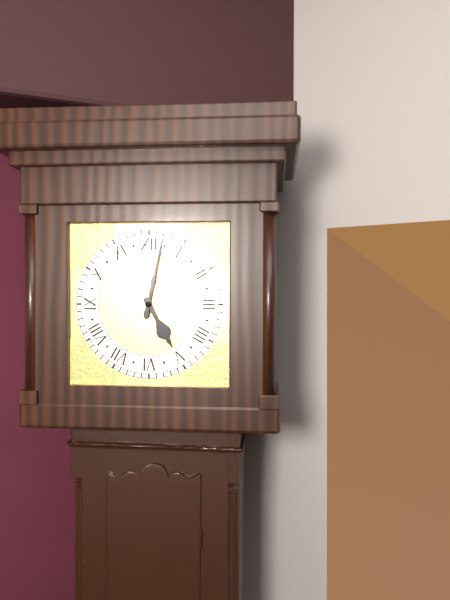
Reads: 5:02
